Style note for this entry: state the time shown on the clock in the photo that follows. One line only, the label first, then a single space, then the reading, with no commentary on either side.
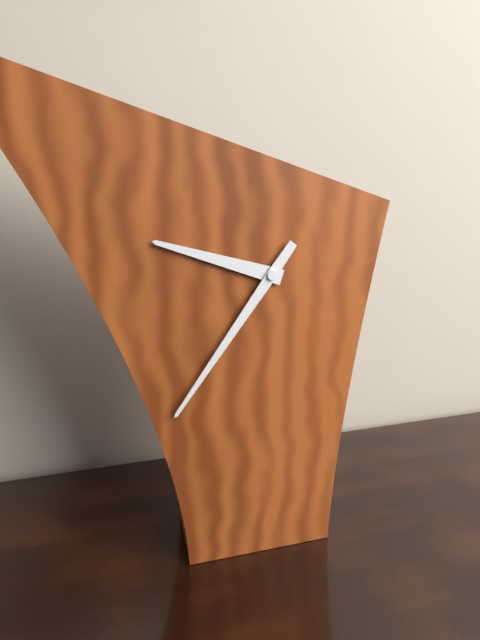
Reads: 9:36
